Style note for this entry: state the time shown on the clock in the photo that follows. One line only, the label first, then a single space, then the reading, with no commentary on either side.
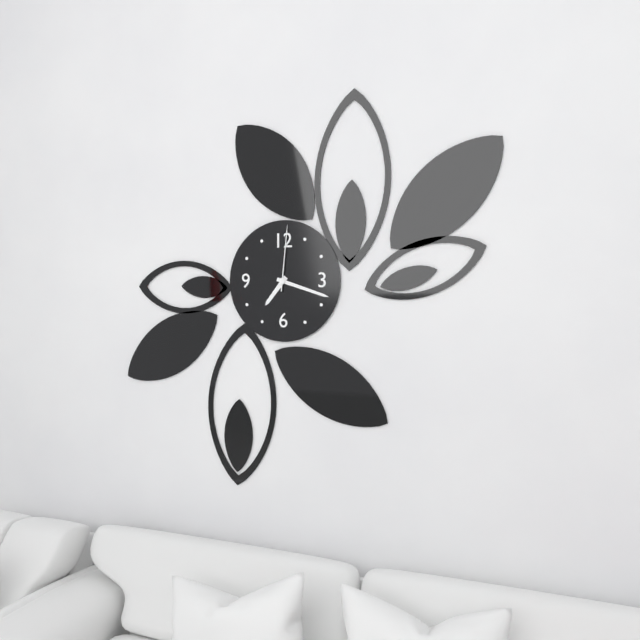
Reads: 7:18:01
